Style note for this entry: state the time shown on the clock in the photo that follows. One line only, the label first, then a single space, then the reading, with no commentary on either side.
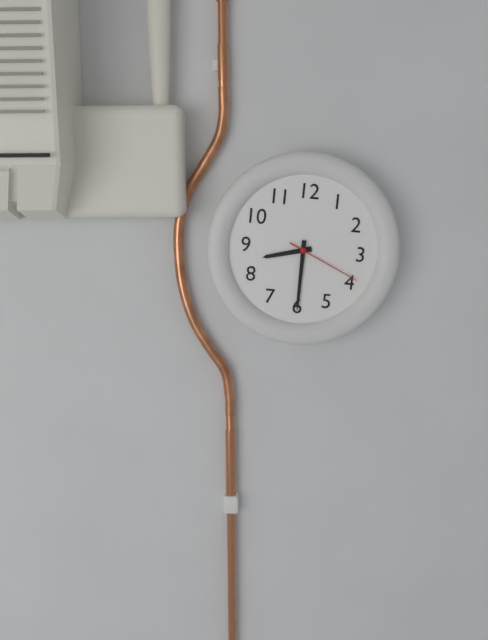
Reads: 8:30:19
